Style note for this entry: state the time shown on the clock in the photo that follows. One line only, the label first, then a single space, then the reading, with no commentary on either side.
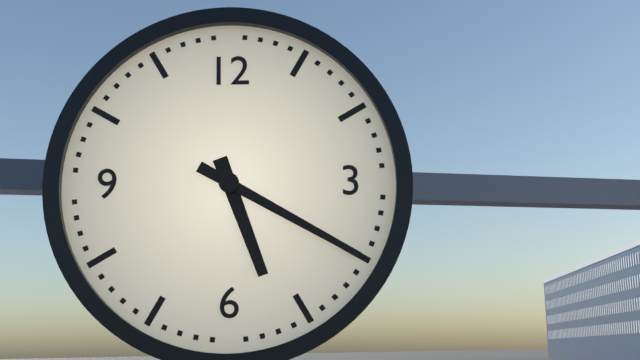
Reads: 5:20
